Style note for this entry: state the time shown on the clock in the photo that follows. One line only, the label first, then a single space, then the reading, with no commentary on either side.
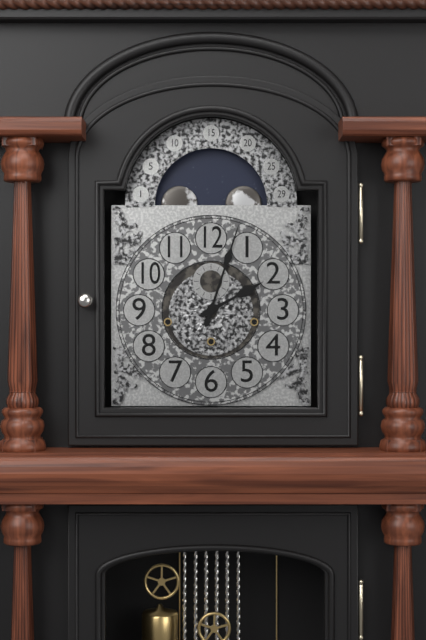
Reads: 2:03
